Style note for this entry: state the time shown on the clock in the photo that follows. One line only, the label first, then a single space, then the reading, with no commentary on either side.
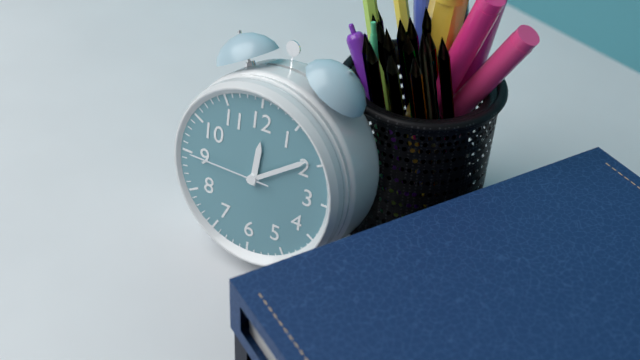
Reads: 12:09:45
